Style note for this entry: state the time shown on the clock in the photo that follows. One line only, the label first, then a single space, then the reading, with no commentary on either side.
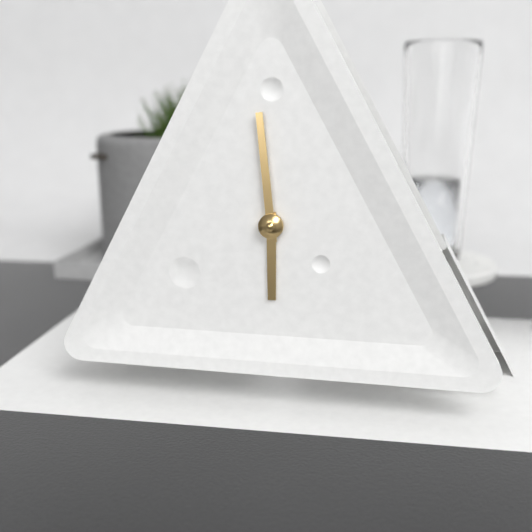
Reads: 5:59
